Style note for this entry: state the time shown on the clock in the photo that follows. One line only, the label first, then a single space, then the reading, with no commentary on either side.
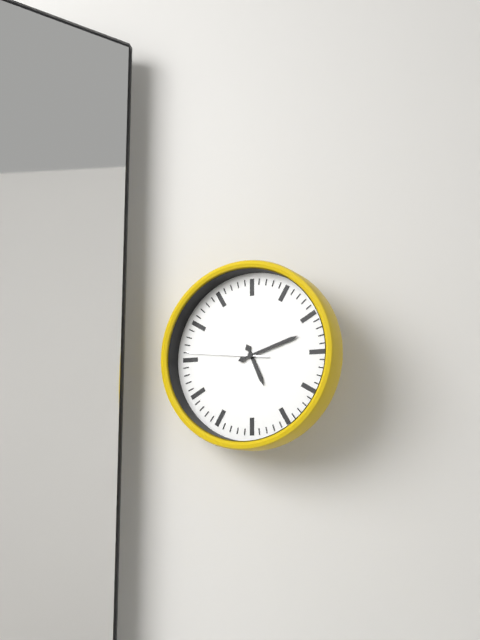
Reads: 5:12:46
